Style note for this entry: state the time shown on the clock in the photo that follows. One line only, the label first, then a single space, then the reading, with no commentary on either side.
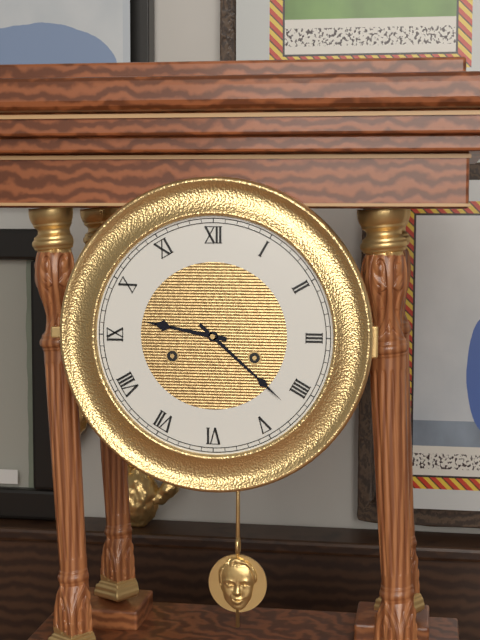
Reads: 9:22
